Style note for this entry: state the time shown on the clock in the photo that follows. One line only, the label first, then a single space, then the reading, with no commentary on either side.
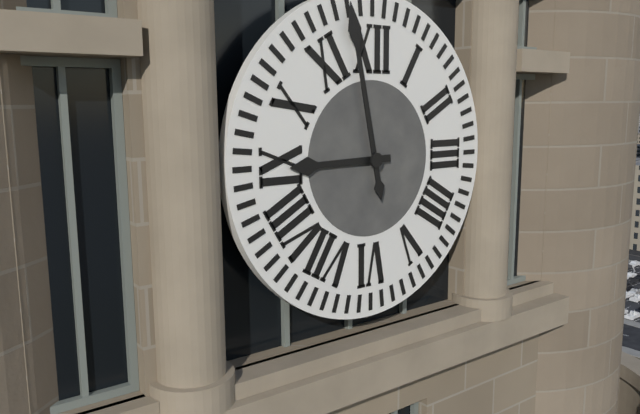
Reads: 8:58
